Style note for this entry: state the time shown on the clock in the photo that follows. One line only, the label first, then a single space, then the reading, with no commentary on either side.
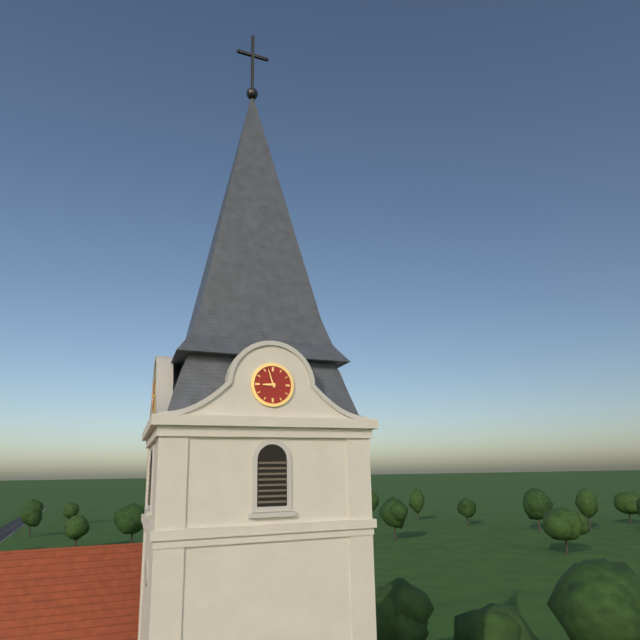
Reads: 8:57
